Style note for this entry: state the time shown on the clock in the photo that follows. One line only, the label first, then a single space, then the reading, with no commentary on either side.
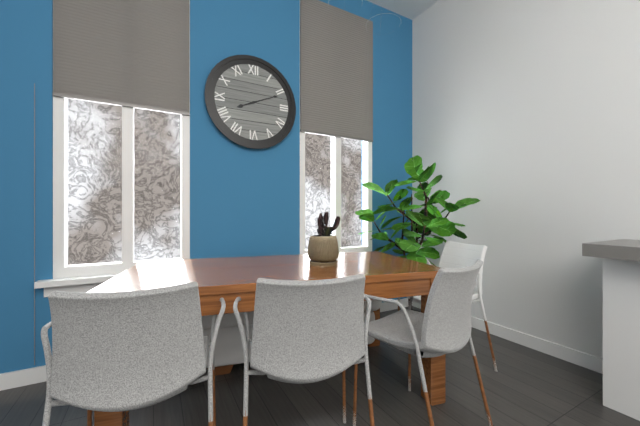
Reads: 8:11
